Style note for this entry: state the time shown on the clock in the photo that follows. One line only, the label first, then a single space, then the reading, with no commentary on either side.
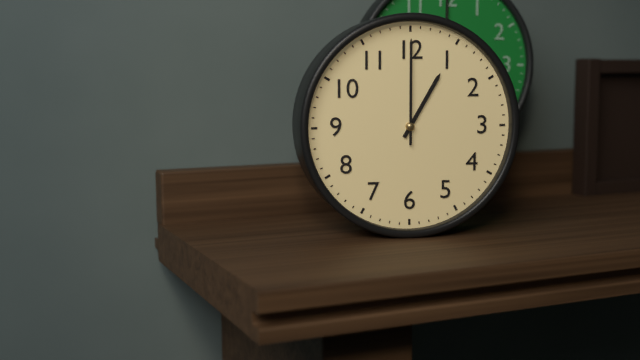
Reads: 1:00
